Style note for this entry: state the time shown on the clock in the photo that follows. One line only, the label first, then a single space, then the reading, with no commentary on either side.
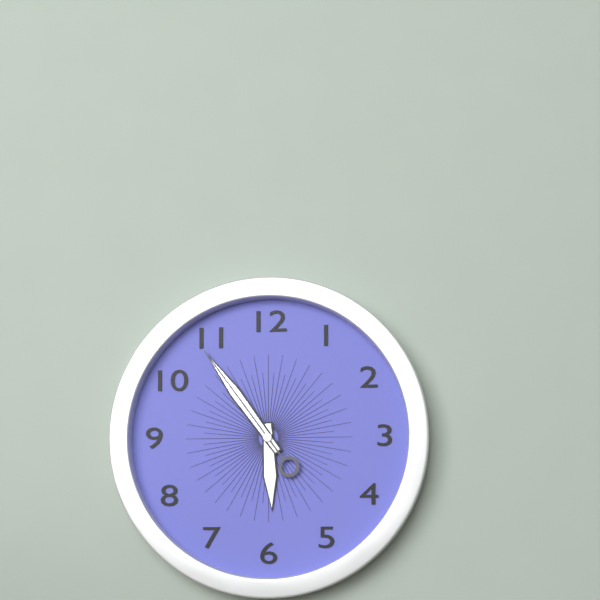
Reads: 5:54:54
